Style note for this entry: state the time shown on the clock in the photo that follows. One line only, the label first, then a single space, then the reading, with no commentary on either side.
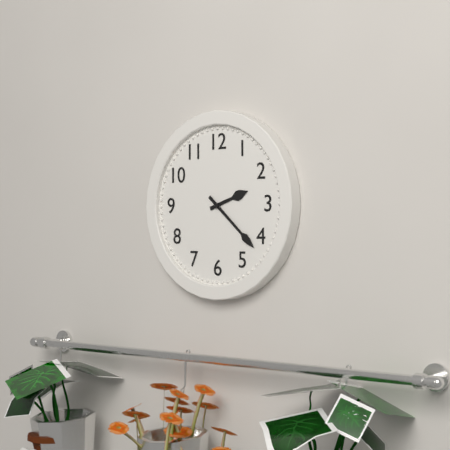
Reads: 2:22
